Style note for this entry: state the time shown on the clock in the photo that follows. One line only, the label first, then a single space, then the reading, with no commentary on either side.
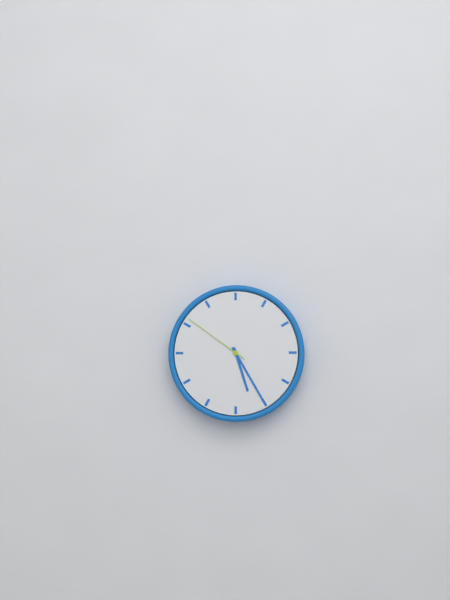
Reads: 5:25:51
